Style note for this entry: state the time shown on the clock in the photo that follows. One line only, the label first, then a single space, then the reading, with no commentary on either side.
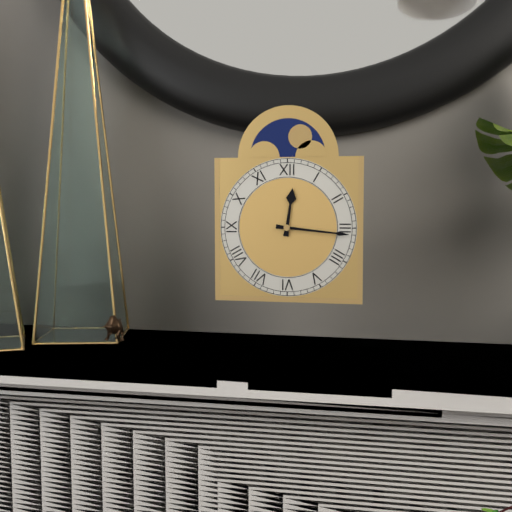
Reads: 12:16
